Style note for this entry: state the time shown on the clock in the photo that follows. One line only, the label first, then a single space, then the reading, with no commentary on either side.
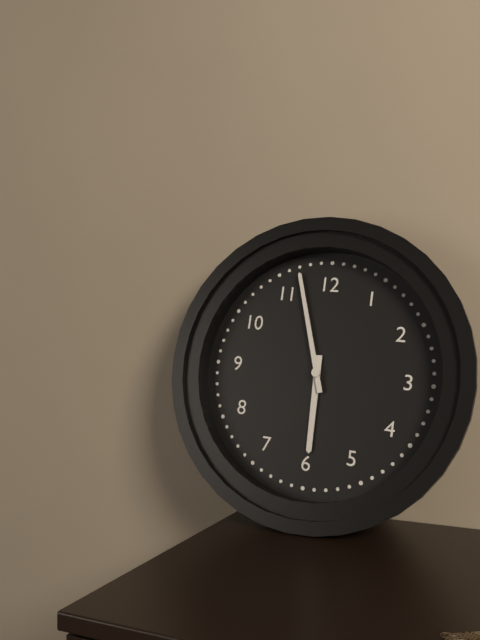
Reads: 5:57
